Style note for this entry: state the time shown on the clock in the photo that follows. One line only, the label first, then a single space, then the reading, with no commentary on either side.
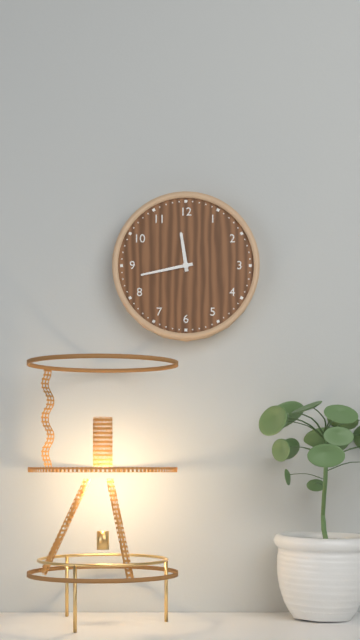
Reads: 11:43
